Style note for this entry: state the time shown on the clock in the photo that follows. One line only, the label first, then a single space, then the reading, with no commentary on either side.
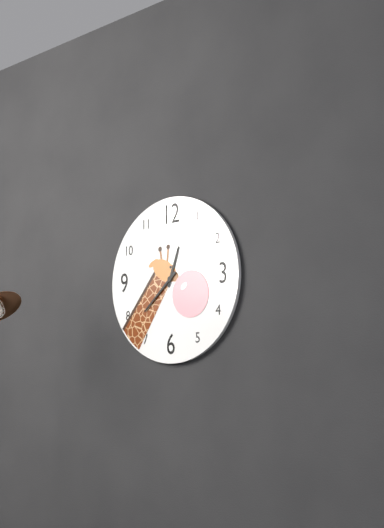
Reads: 12:38
